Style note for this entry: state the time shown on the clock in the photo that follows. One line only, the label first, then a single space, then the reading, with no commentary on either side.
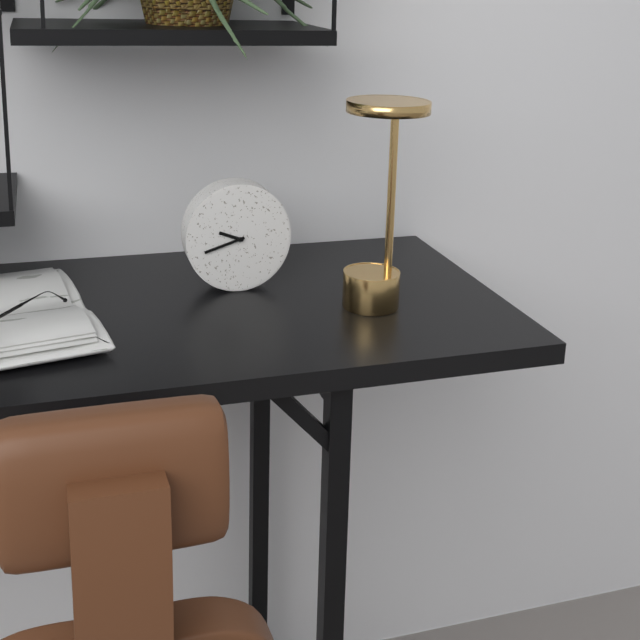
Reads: 9:42
